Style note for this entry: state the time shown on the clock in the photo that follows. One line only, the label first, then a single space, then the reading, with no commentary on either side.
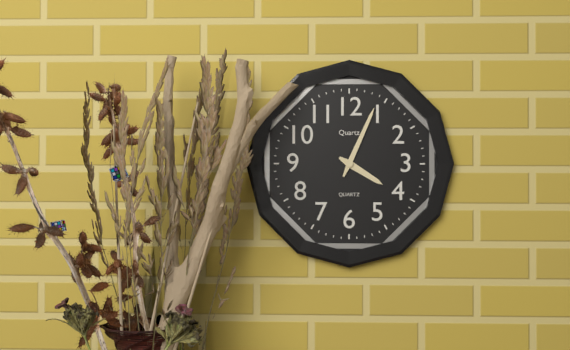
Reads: 4:04
